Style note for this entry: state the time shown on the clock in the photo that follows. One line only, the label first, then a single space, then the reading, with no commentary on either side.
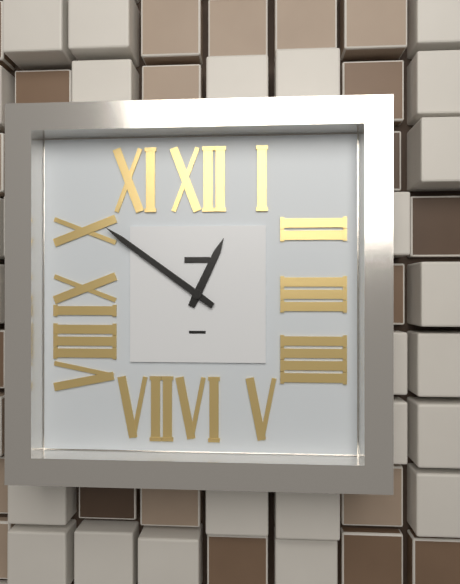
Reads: 12:51
